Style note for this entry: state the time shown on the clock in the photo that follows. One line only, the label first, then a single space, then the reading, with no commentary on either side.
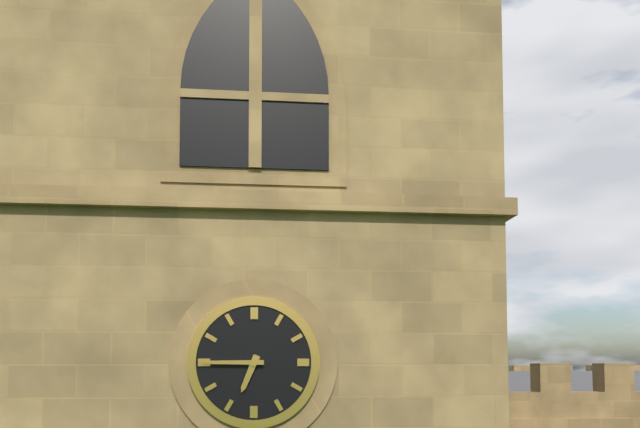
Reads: 6:45
